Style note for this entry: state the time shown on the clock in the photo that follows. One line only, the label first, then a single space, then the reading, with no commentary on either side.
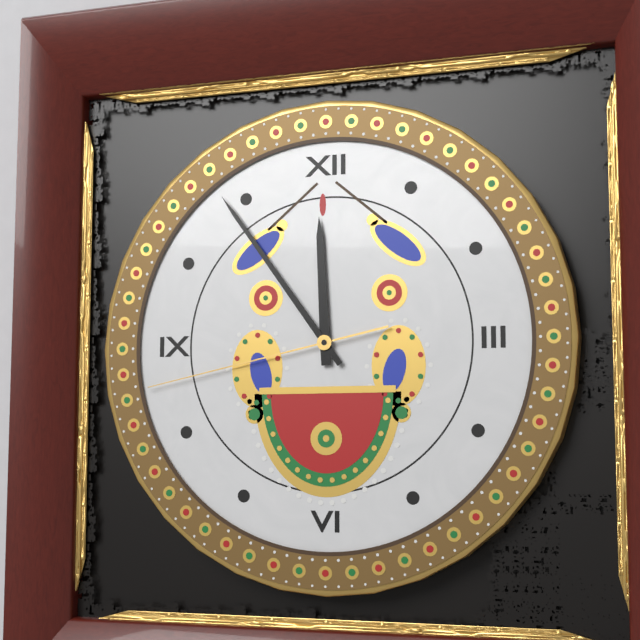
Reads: 11:54:43
